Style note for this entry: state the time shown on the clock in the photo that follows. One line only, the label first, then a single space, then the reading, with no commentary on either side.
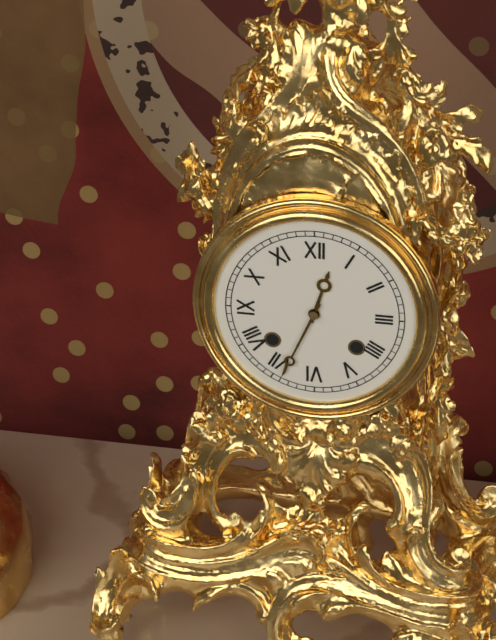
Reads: 12:34
